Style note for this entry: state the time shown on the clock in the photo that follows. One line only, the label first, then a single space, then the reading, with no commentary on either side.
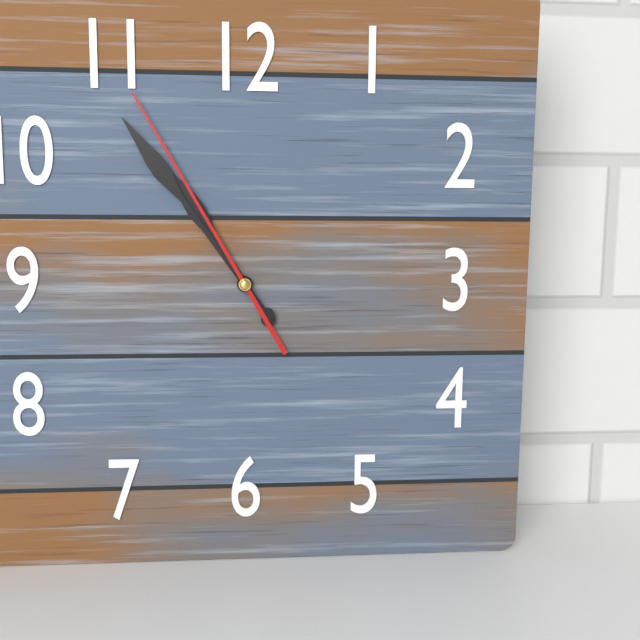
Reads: 10:54:55
